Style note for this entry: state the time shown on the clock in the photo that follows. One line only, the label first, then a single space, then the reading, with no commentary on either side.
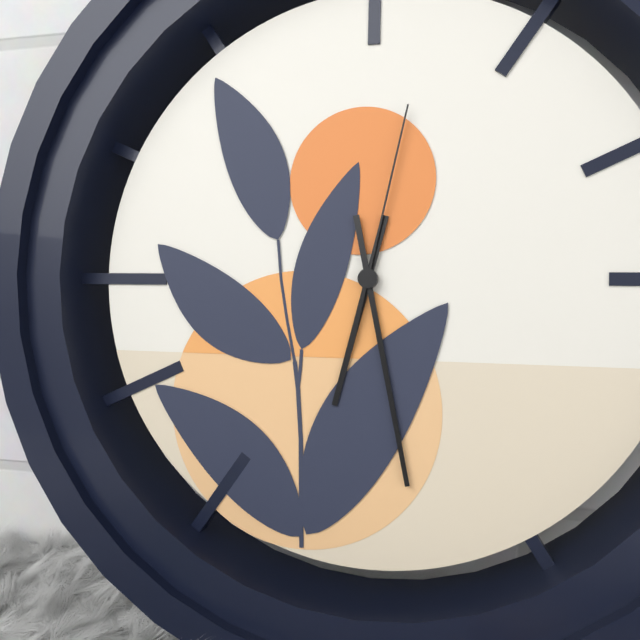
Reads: 6:28:02
